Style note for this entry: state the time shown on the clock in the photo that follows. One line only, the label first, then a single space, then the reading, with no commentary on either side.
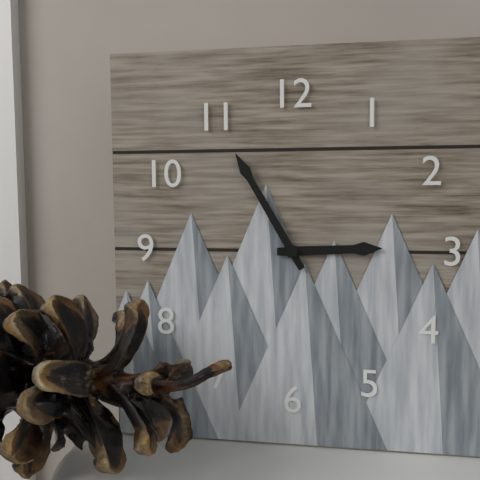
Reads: 2:55
